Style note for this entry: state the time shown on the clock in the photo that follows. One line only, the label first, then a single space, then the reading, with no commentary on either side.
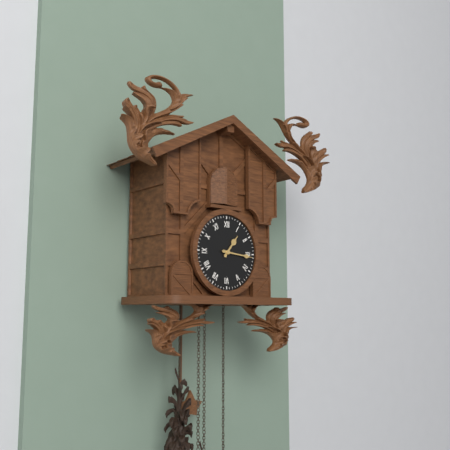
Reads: 1:16
